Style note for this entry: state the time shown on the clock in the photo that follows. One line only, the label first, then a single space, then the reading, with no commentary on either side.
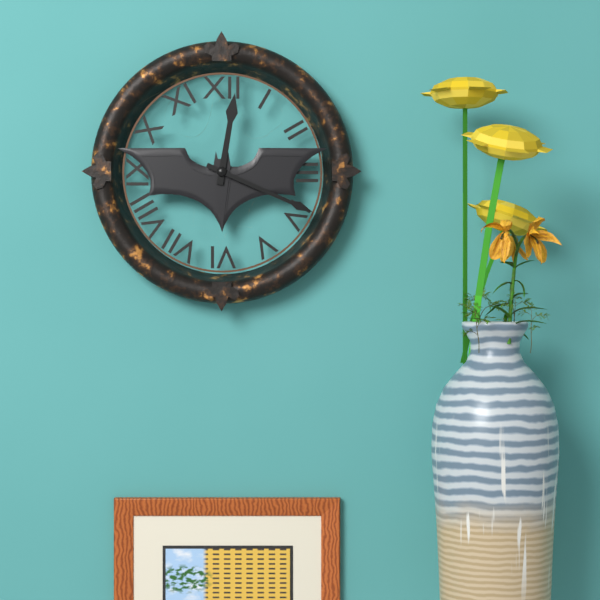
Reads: 12:19
